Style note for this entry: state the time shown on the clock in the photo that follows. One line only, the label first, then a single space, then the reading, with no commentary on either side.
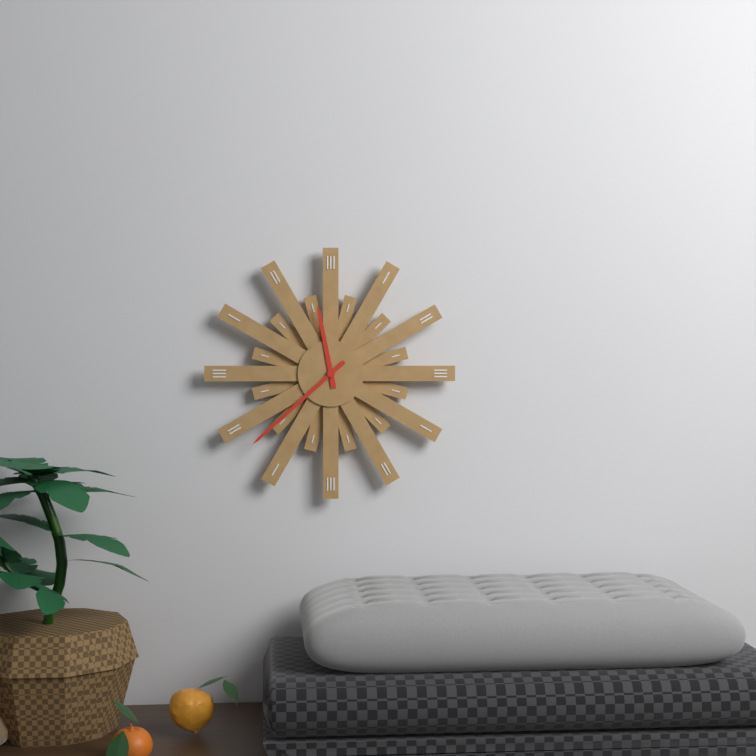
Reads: 11:38
